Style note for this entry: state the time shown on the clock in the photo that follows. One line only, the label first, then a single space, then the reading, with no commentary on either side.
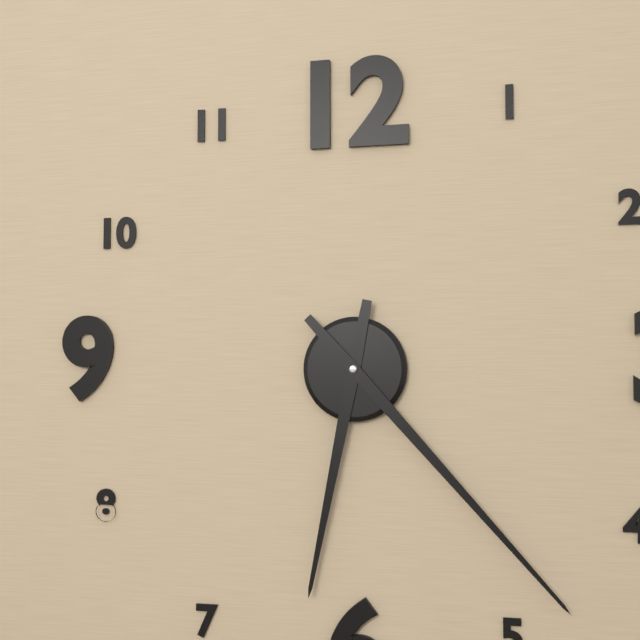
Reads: 6:23
